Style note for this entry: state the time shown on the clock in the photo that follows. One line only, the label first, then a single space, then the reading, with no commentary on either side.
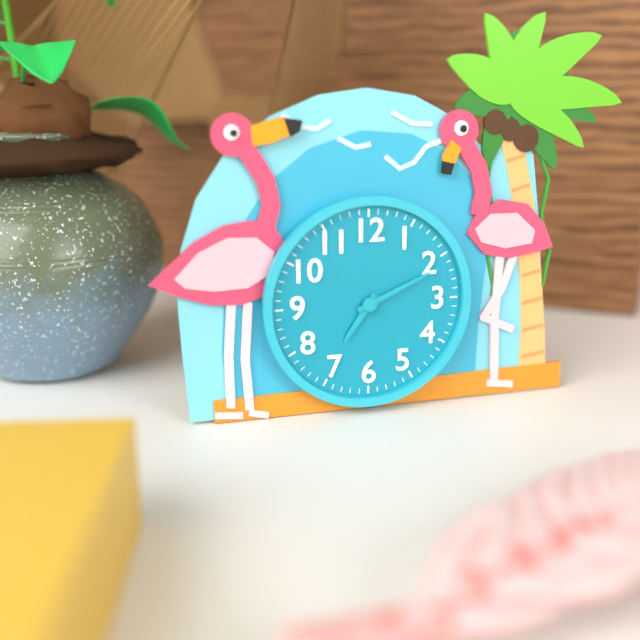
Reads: 7:11
